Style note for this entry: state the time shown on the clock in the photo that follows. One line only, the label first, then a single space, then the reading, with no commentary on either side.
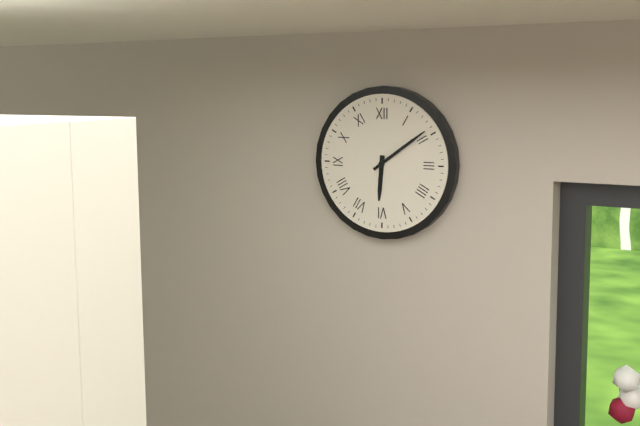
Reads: 6:09
